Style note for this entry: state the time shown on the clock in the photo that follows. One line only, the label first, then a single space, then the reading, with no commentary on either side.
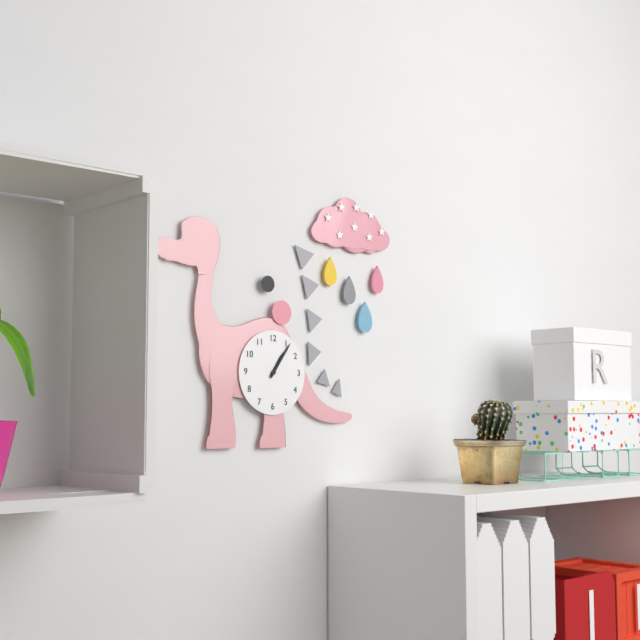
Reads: 1:06
